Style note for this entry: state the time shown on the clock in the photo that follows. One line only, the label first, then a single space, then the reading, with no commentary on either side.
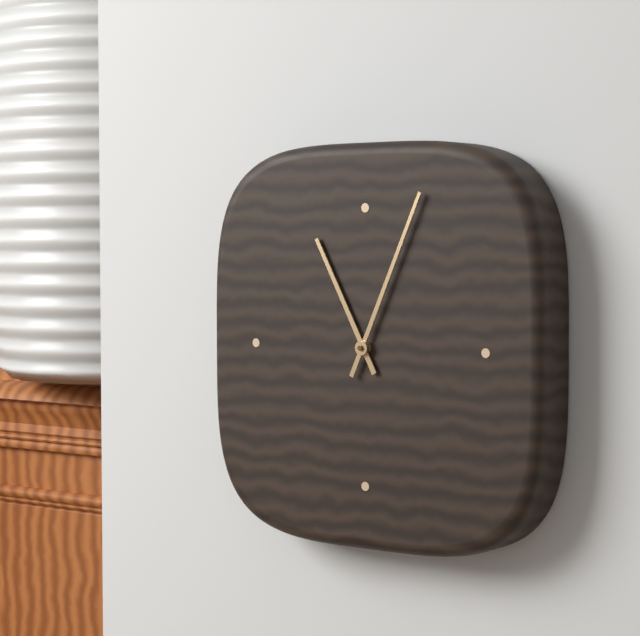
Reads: 11:04
